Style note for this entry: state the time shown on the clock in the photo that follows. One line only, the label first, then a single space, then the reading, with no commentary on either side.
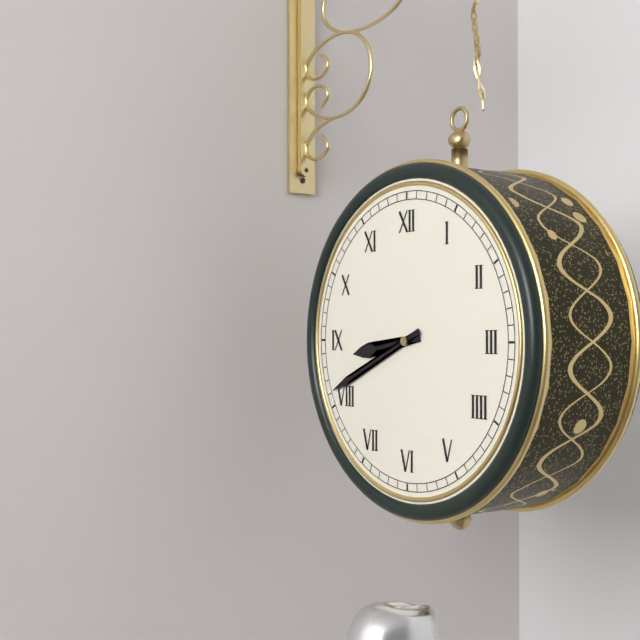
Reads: 8:41
